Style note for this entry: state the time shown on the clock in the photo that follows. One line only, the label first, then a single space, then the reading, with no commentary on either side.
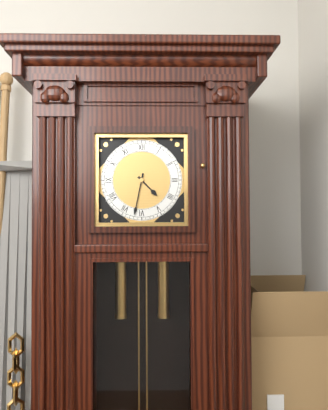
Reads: 4:32
